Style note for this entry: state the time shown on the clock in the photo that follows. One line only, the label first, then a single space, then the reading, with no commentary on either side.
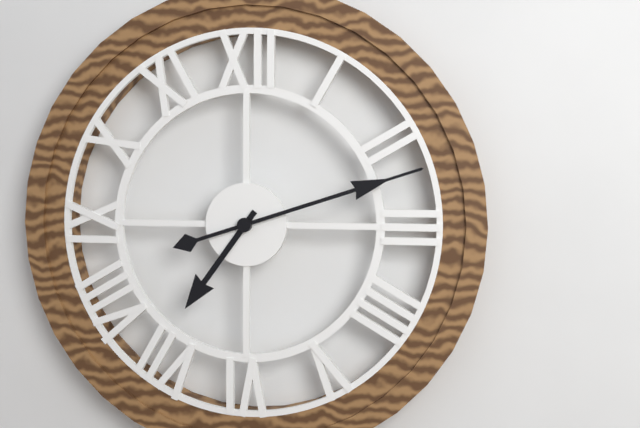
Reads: 7:12
